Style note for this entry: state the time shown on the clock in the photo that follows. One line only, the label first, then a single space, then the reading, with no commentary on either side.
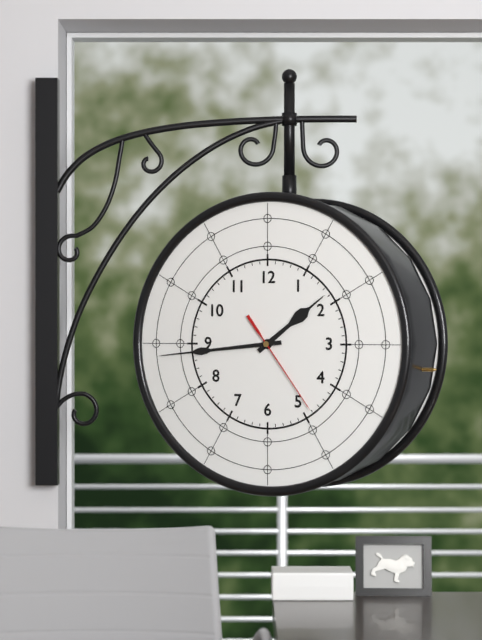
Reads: 1:44:24
